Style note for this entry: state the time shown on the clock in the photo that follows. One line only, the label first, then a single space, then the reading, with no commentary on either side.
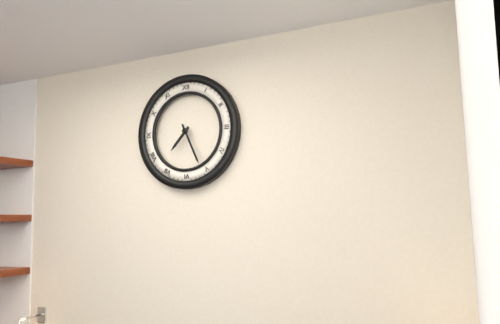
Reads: 7:26
